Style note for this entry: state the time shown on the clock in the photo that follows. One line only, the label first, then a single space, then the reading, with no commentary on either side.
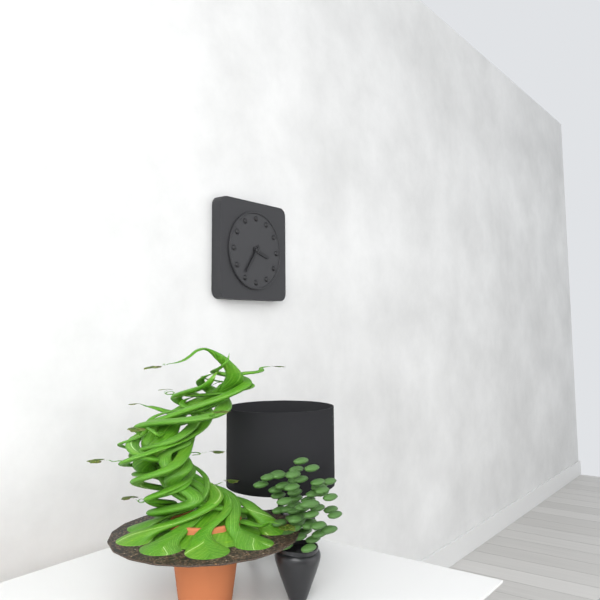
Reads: 3:36
